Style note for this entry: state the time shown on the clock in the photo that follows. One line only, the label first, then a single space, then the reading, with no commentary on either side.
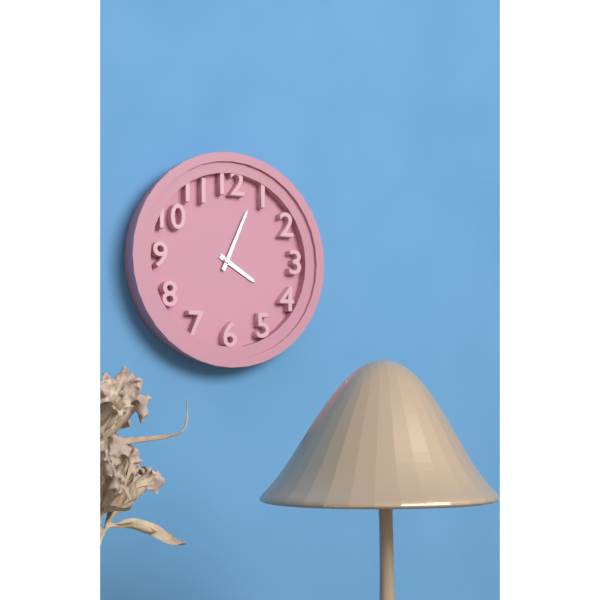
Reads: 4:04
